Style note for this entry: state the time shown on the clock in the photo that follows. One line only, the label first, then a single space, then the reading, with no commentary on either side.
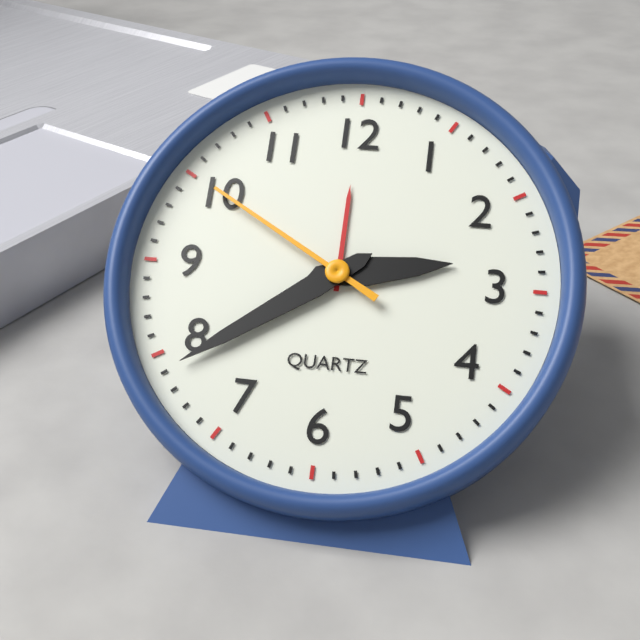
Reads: 2:39:50
